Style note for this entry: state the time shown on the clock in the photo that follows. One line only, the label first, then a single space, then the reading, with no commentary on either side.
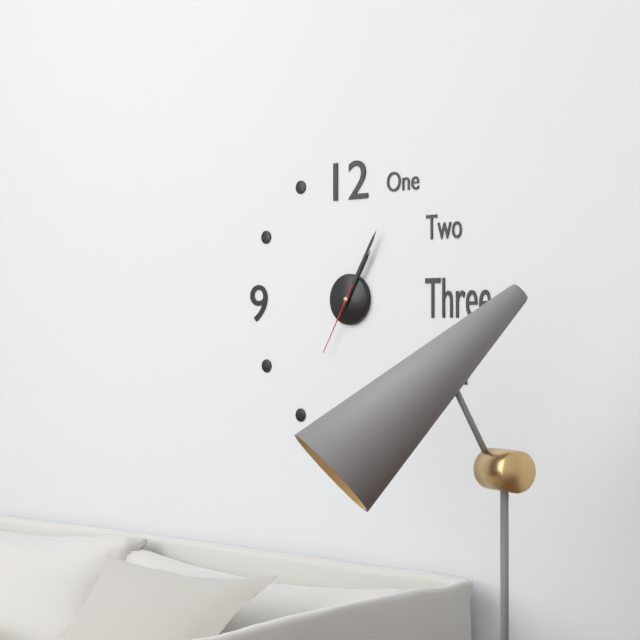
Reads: 1:05:35
